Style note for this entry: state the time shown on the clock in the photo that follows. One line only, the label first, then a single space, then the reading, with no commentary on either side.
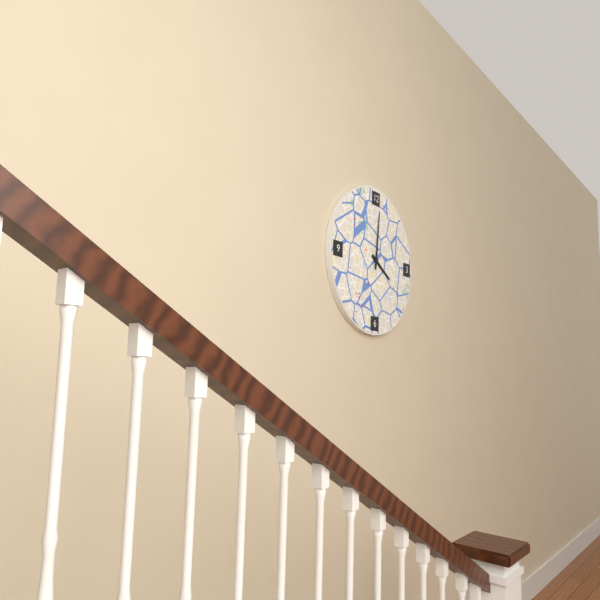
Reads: 4:01
